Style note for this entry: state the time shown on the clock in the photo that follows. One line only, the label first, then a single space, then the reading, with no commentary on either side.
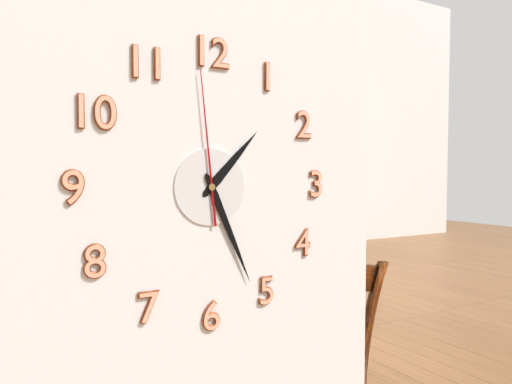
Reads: 1:26:59
